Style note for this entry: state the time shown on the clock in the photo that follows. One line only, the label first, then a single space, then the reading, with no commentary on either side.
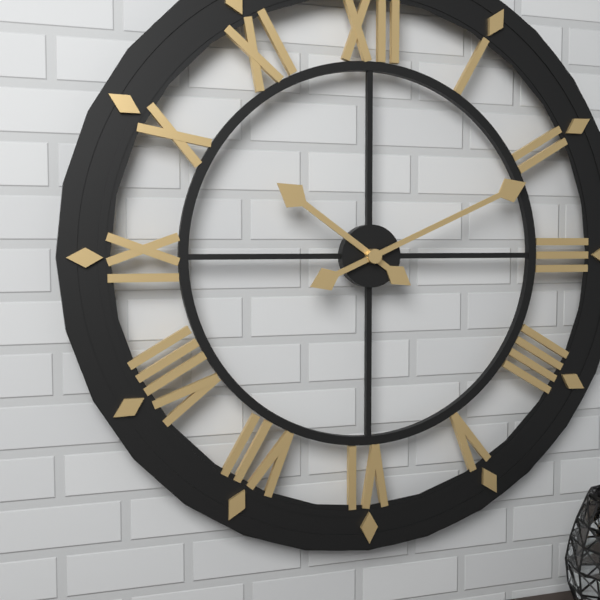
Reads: 10:11
